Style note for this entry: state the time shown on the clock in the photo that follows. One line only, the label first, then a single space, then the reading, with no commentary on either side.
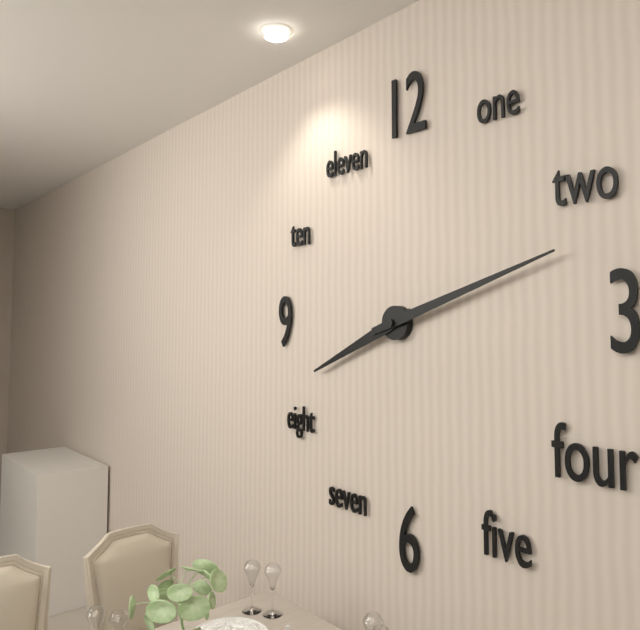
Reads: 8:12
